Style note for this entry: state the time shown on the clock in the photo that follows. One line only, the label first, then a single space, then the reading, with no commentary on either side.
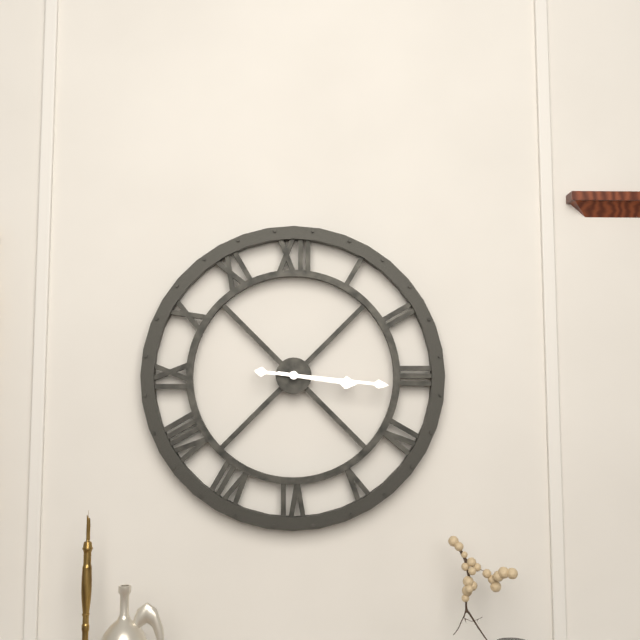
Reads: 3:16
